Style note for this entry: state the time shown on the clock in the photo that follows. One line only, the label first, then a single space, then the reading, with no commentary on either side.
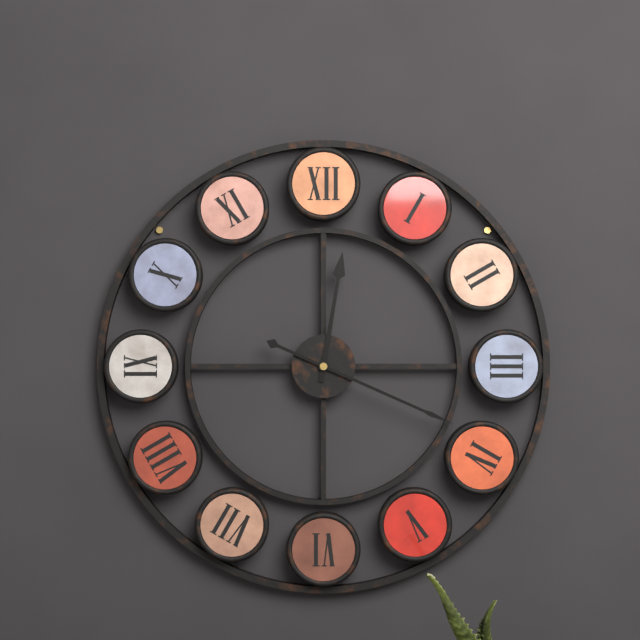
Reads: 12:19
